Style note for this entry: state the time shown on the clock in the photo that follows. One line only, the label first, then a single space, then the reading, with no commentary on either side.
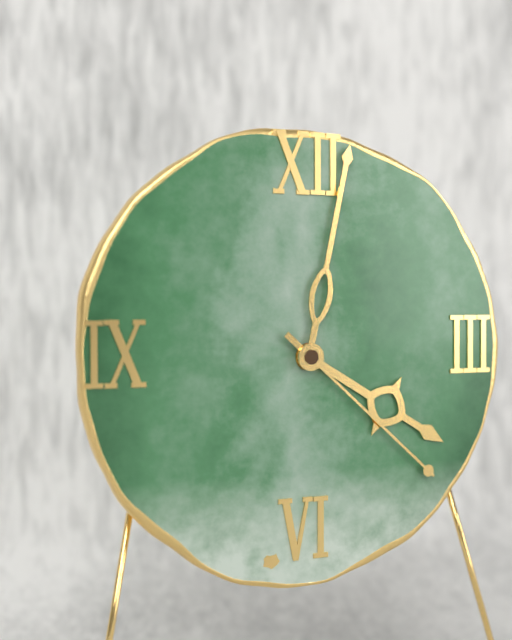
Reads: 4:02:22
